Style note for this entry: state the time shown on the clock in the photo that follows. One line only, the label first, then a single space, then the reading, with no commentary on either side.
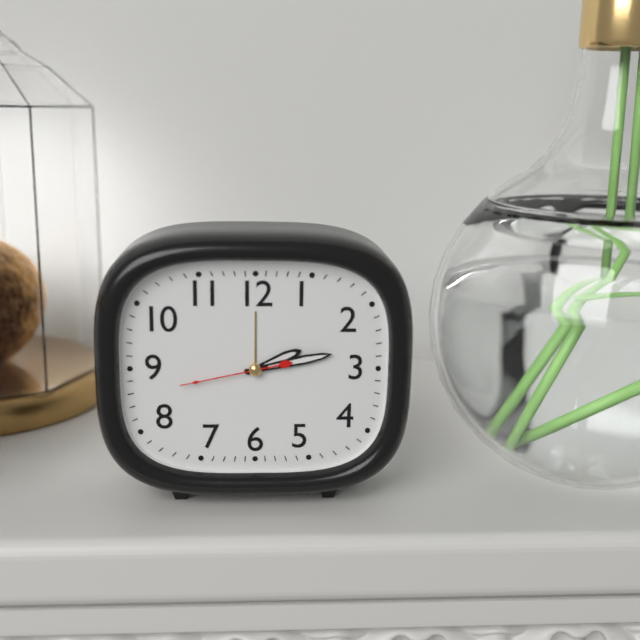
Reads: 2:13:43
